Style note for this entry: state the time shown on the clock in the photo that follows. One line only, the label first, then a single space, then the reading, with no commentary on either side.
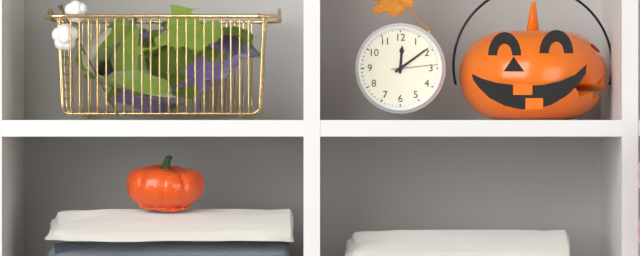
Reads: 12:09
